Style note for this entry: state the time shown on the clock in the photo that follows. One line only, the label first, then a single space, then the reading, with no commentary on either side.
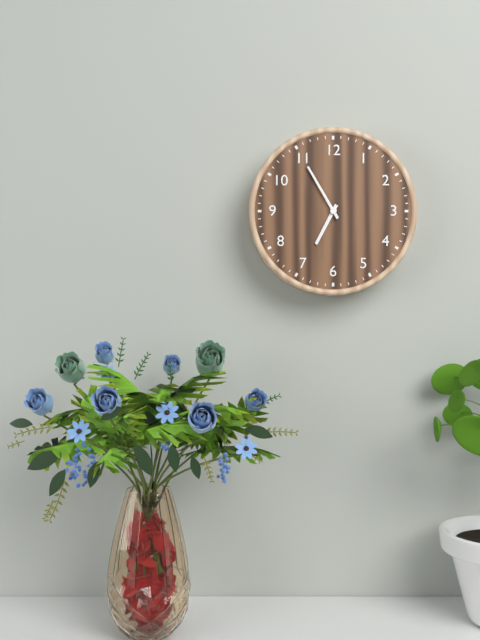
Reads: 6:55
